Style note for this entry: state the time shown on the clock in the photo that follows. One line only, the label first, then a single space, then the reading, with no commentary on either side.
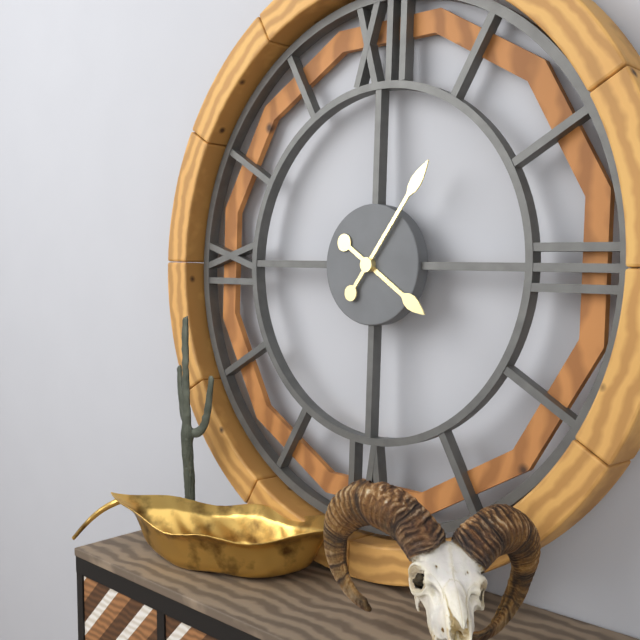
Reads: 4:06
